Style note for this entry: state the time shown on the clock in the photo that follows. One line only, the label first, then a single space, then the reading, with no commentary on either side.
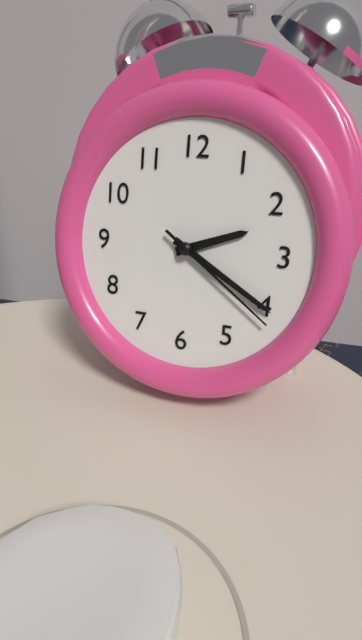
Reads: 2:20:21
